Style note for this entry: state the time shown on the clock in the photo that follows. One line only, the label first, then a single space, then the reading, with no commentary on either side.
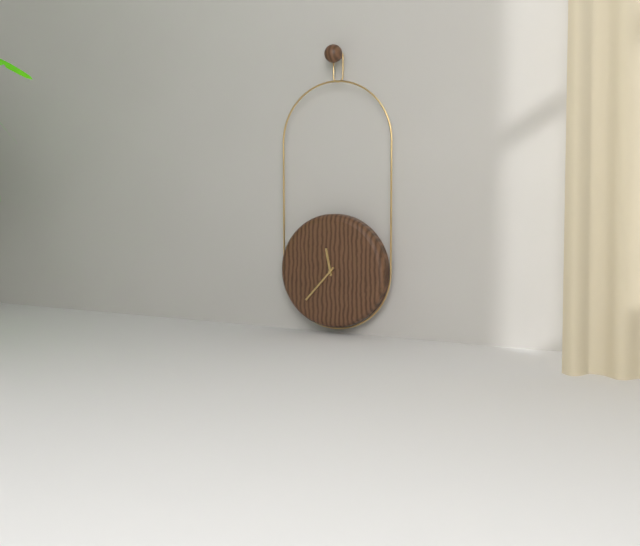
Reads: 11:37
